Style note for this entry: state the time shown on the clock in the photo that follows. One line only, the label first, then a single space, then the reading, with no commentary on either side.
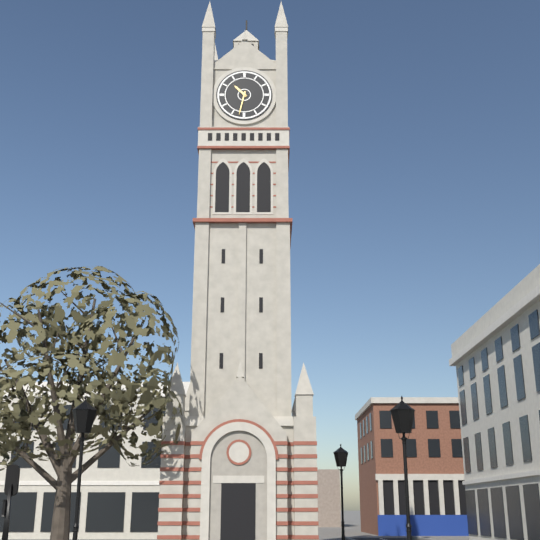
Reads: 10:32
